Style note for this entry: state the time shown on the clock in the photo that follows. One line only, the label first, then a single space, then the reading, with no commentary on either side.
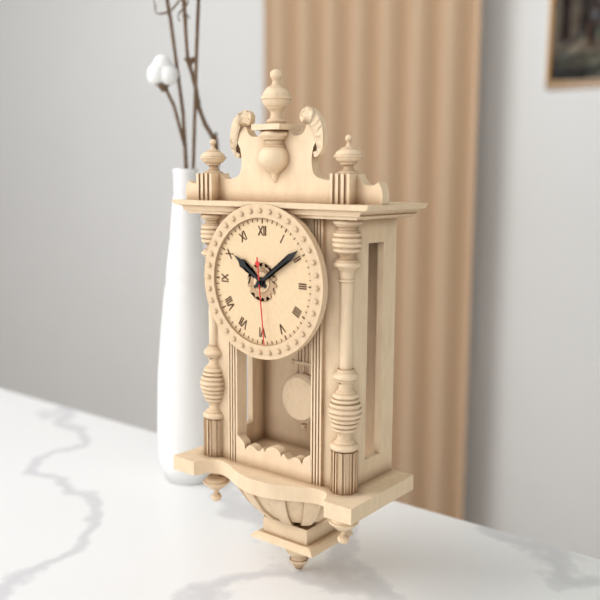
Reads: 10:09:29
